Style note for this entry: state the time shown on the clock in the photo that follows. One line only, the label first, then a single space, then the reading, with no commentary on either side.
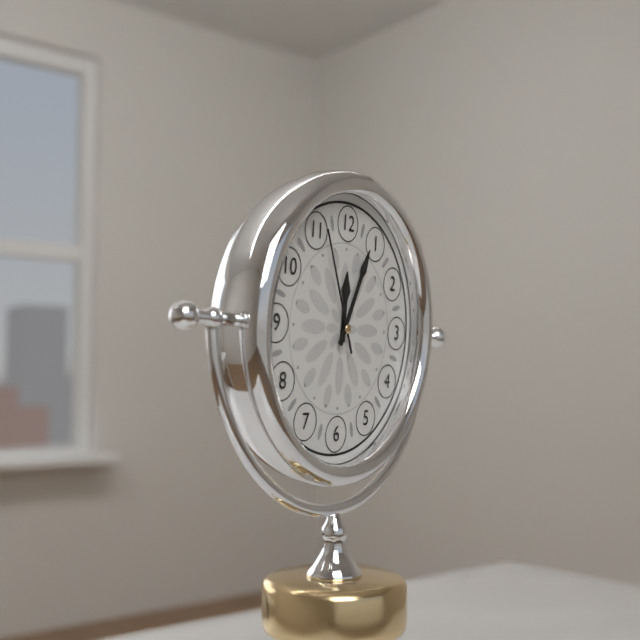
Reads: 12:04:56
